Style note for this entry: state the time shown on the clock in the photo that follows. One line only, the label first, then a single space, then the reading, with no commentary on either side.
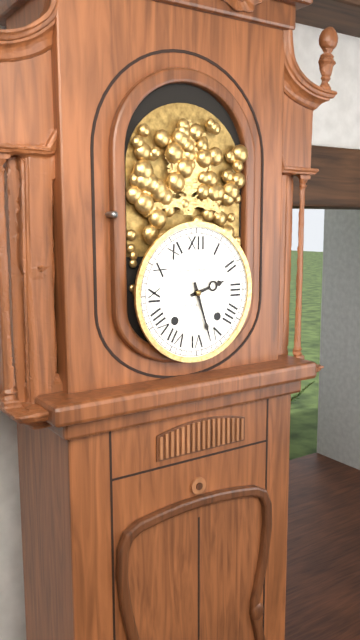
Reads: 2:27
